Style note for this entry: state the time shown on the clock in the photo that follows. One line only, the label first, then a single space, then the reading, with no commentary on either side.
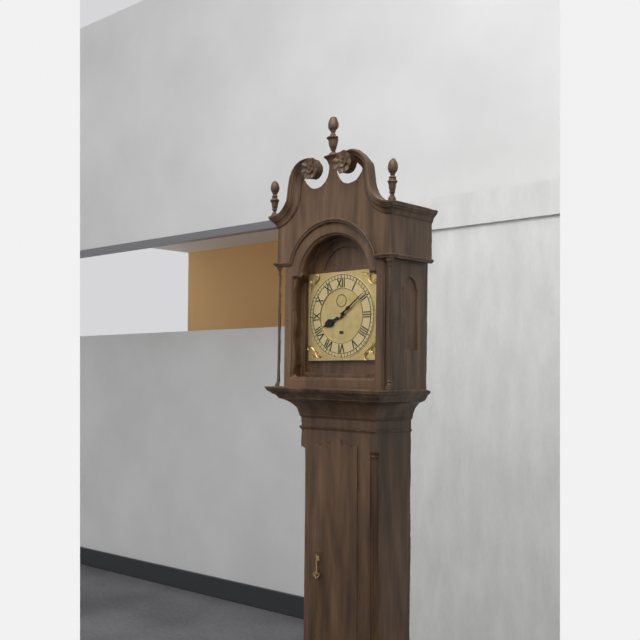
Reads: 8:09
